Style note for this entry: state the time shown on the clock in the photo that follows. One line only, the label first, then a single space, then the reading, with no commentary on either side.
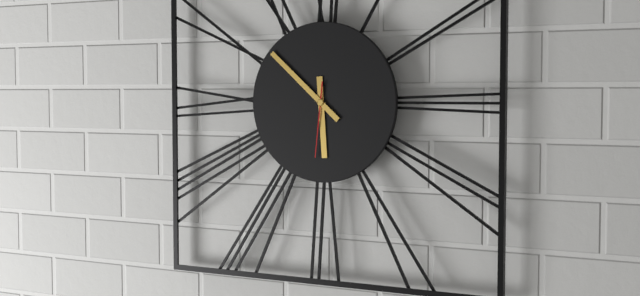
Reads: 5:52:31
